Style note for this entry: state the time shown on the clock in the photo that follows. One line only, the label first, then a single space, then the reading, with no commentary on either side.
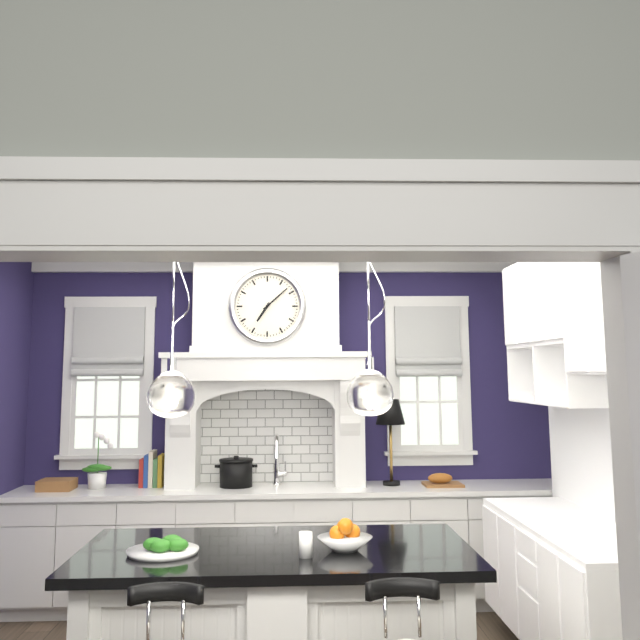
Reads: 7:08
